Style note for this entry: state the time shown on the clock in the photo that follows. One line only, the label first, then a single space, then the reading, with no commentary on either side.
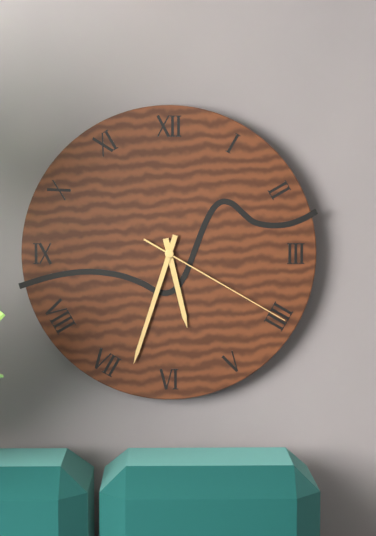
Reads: 5:33:20
